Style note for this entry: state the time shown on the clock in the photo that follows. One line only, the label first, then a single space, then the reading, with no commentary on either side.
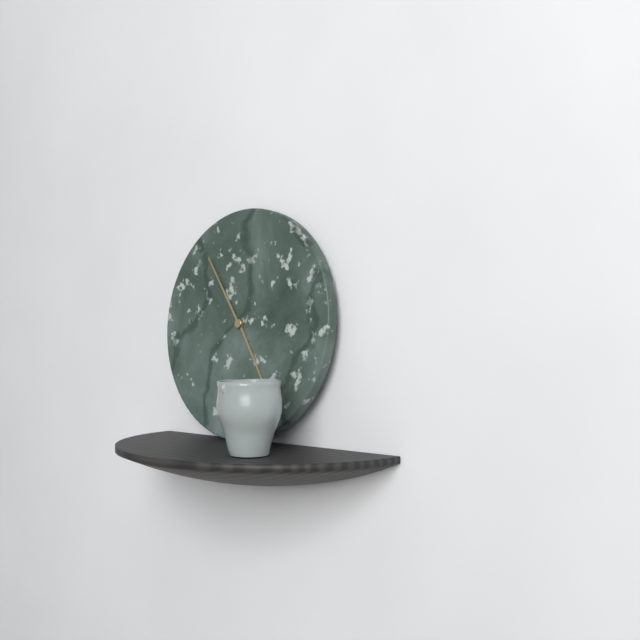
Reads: 4:54
